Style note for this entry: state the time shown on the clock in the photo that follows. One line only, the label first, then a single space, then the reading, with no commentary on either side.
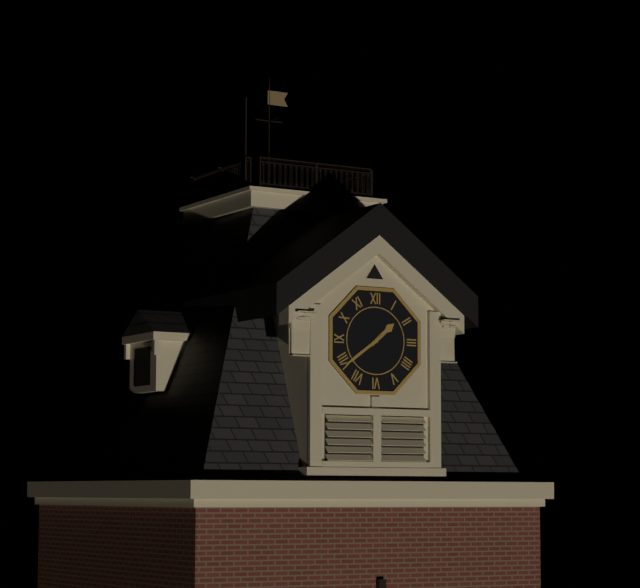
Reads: 1:39
